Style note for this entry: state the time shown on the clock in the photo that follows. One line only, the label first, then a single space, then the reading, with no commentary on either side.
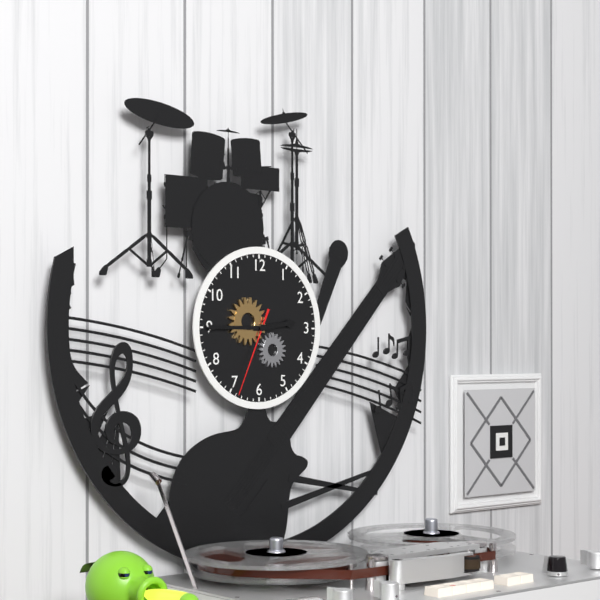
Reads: 2:45:34
